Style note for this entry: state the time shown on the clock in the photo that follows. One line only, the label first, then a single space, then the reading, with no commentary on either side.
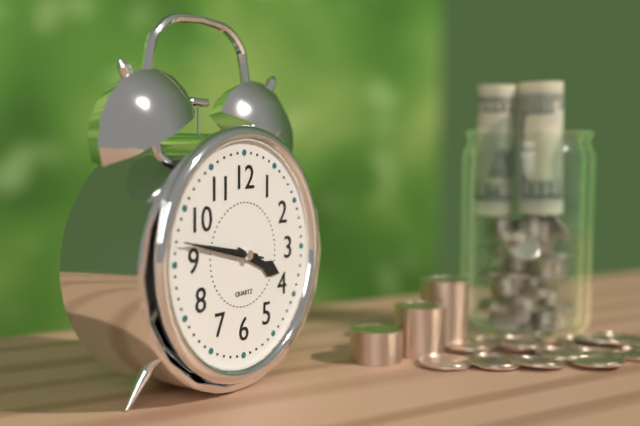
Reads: 3:47:47
